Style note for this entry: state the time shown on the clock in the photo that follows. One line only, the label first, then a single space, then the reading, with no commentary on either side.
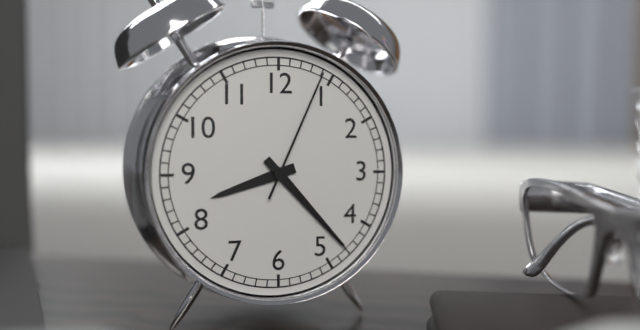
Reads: 8:23:04
